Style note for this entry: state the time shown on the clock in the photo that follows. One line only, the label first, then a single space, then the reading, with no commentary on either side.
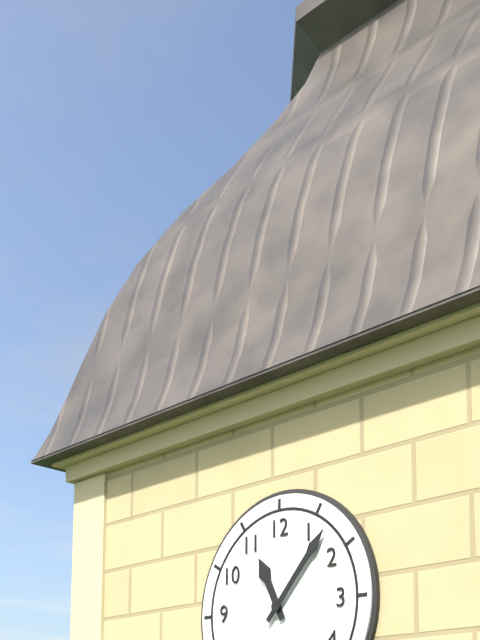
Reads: 11:07
